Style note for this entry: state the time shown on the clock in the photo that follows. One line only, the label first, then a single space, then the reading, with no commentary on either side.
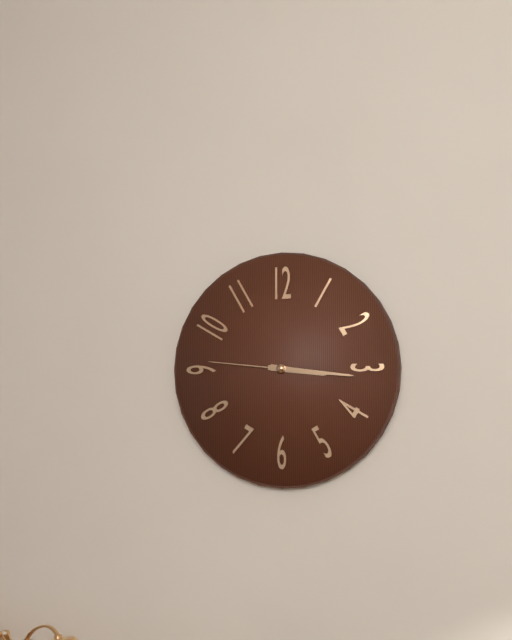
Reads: 3:16:46
